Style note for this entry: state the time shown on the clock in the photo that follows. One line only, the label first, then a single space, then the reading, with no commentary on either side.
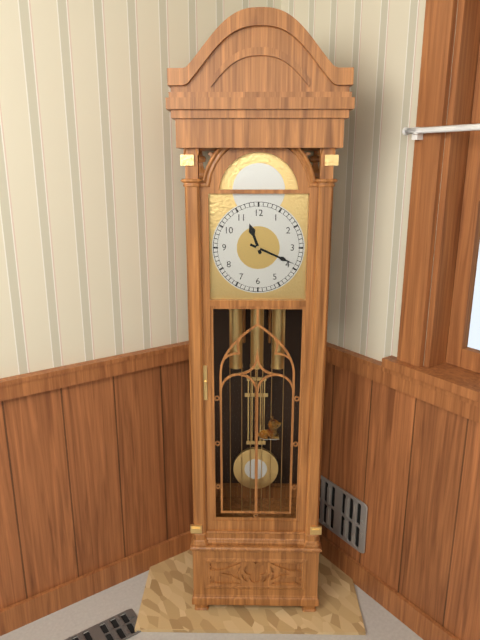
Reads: 11:19
